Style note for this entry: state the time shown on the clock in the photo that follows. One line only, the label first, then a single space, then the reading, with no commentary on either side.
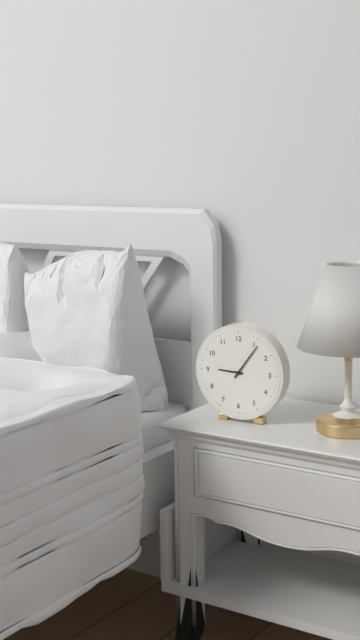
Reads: 9:06
